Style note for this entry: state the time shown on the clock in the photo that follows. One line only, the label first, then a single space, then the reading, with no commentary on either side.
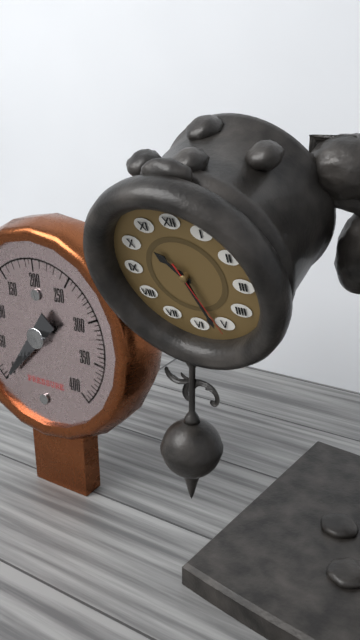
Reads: 10:27:26
